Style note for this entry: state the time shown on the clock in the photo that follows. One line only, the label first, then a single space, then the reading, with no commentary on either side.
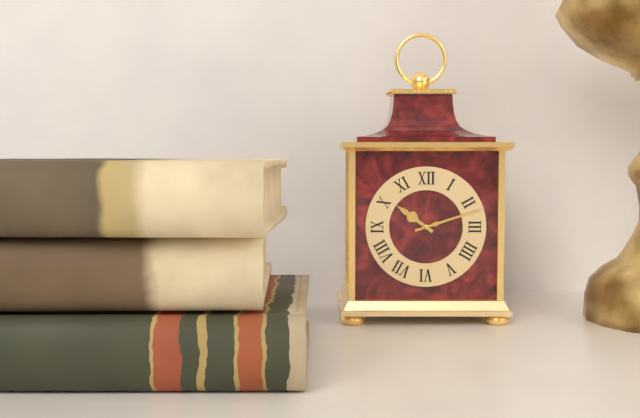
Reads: 10:12
